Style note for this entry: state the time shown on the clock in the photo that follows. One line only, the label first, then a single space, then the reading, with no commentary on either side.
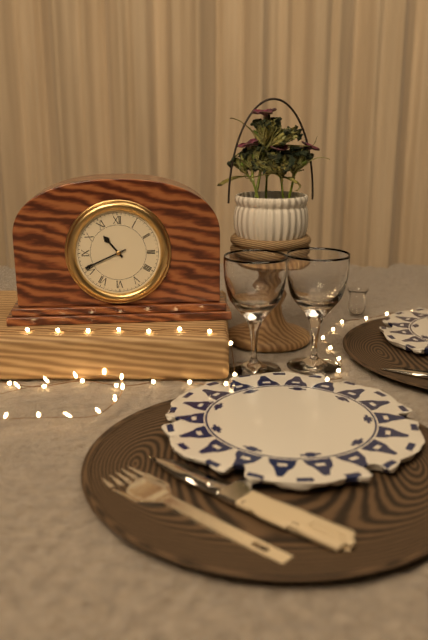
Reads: 10:41
